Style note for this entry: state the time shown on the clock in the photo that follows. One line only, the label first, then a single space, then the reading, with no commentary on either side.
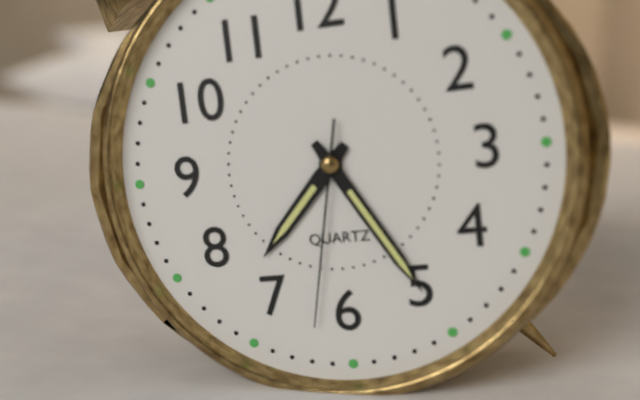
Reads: 7:25:32
